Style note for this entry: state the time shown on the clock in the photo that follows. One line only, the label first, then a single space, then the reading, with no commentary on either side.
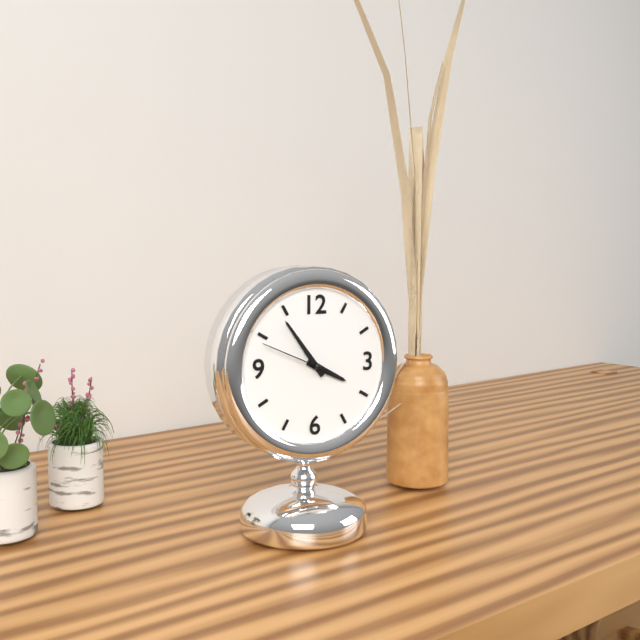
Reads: 3:54:49
